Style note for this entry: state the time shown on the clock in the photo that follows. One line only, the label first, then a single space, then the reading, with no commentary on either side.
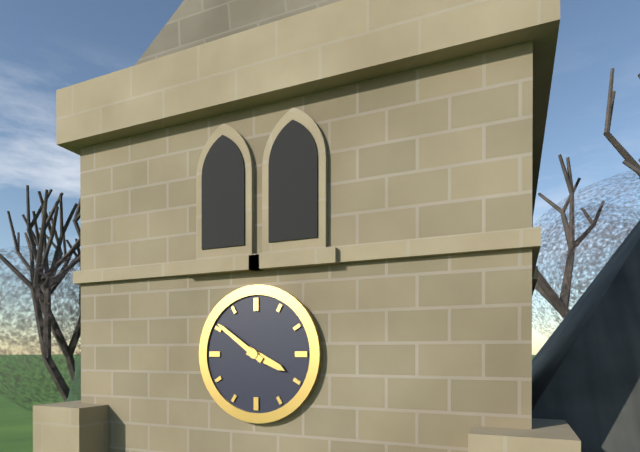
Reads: 3:51
